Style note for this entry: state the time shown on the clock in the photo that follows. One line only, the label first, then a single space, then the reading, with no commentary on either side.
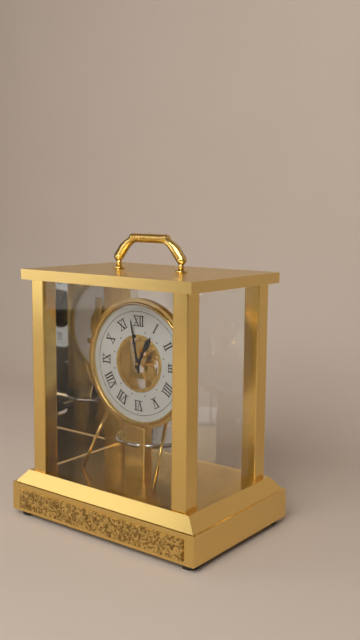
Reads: 12:58
